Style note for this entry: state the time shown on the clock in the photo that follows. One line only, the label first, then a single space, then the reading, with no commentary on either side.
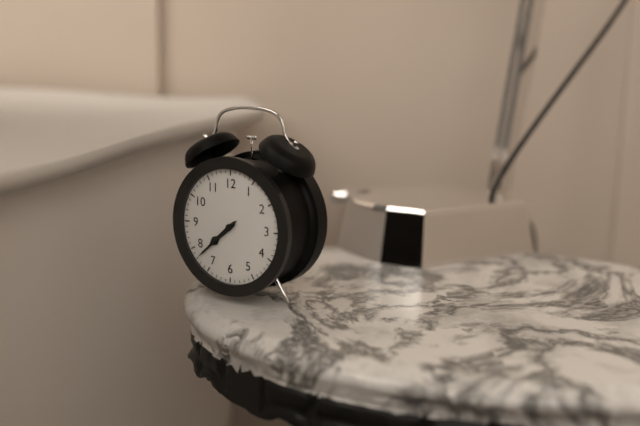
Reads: 7:38
